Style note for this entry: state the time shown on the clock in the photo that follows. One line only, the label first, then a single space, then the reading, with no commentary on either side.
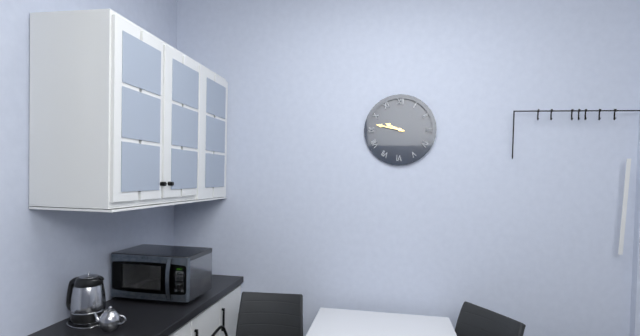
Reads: 9:47
